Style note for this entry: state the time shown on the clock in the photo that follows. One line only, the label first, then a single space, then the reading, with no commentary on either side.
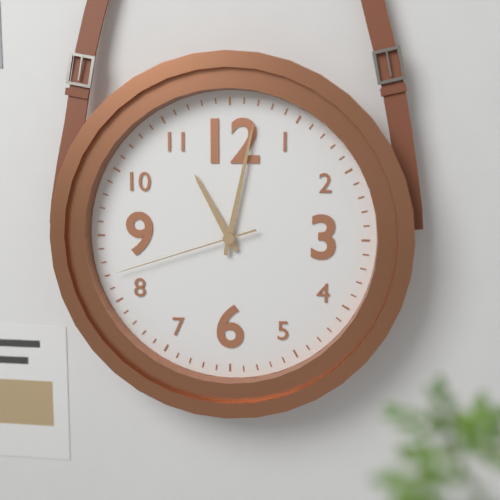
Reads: 11:02:42
